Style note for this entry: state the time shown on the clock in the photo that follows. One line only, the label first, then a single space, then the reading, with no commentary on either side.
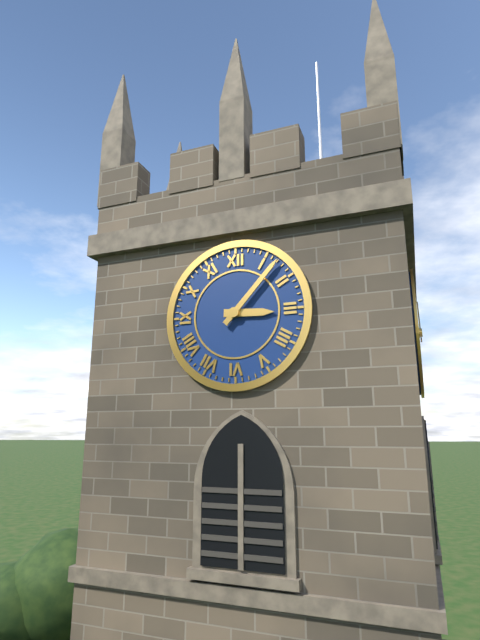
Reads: 3:07
